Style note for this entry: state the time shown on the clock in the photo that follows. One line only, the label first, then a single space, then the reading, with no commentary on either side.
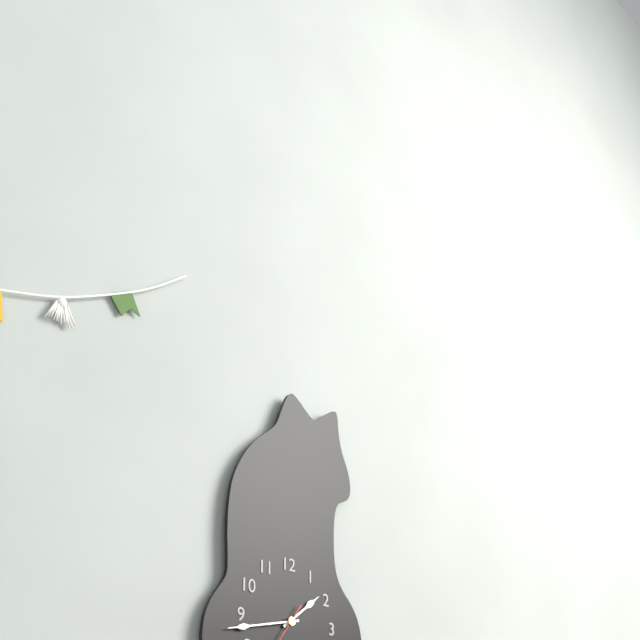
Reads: 1:43
